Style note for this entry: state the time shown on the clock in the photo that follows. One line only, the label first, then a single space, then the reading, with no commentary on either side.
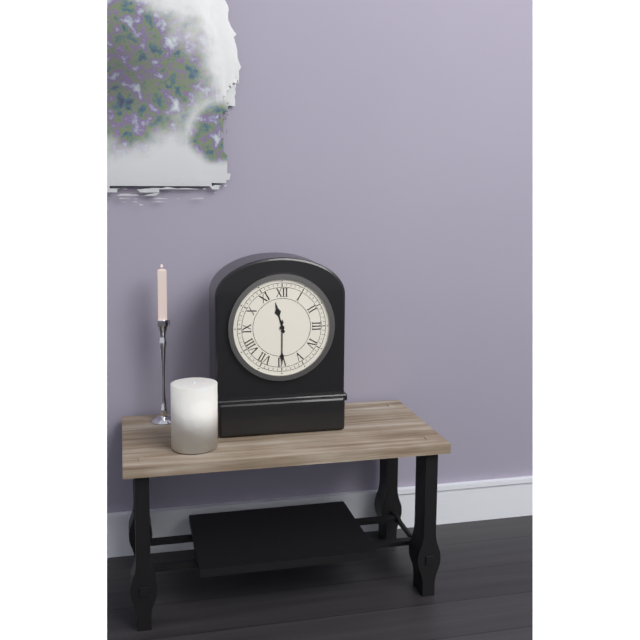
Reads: 11:30
